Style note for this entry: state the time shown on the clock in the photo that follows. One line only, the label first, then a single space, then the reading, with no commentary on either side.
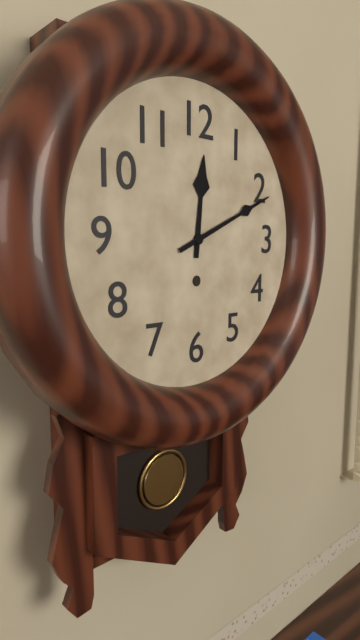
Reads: 12:11
